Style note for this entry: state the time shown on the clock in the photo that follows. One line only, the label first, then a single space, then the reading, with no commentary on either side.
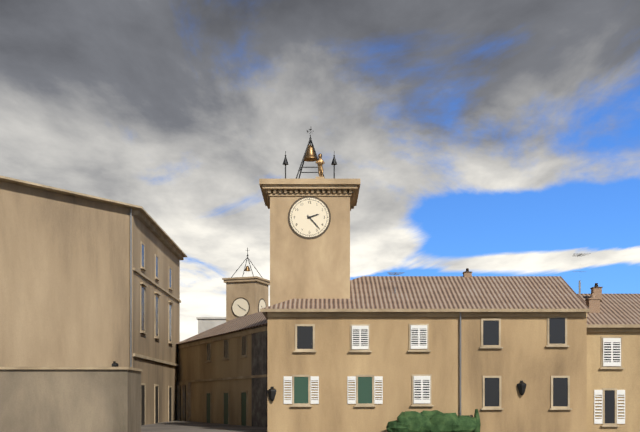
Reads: 2:23
